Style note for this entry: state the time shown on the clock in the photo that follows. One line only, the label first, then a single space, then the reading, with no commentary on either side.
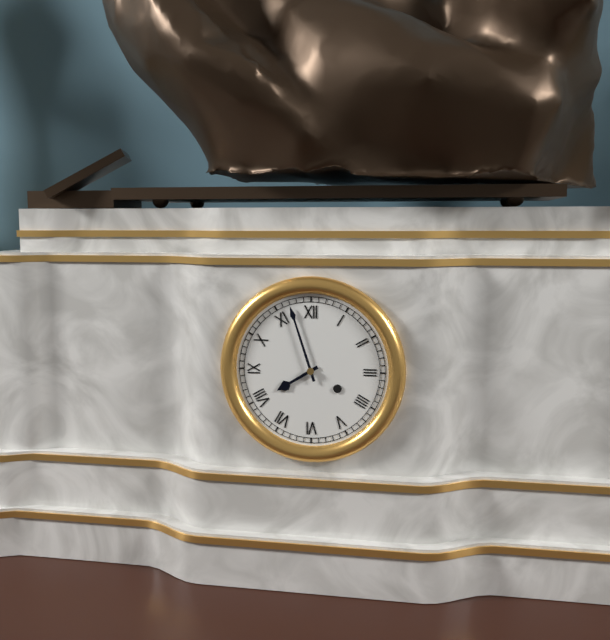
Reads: 7:57
